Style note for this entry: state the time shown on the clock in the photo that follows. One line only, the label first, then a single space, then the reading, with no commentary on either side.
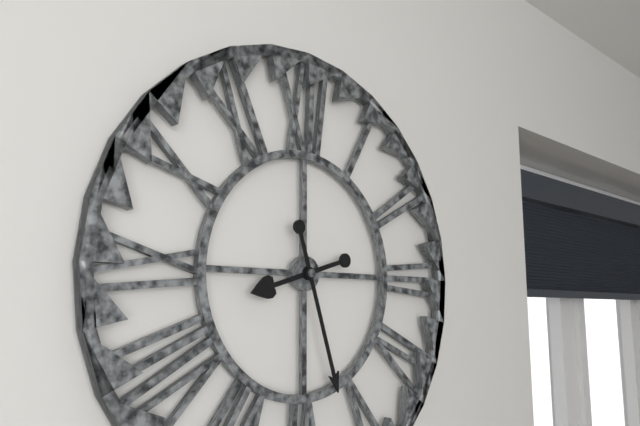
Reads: 8:27
